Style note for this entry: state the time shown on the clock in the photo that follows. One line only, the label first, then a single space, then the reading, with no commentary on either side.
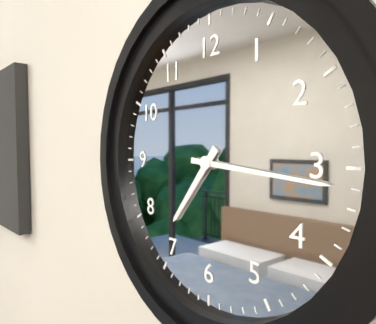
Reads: 7:16
